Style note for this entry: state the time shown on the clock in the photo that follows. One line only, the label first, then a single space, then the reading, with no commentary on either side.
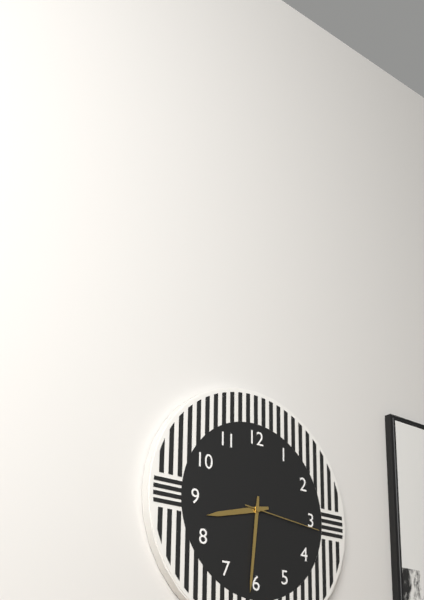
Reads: 8:31:16
